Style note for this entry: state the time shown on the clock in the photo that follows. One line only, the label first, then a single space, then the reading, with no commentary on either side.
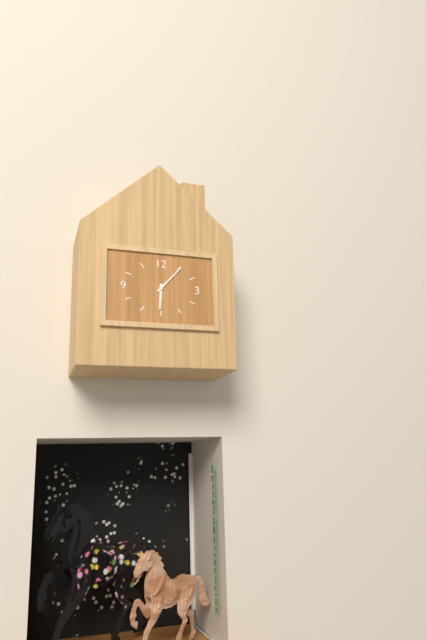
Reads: 6:07
